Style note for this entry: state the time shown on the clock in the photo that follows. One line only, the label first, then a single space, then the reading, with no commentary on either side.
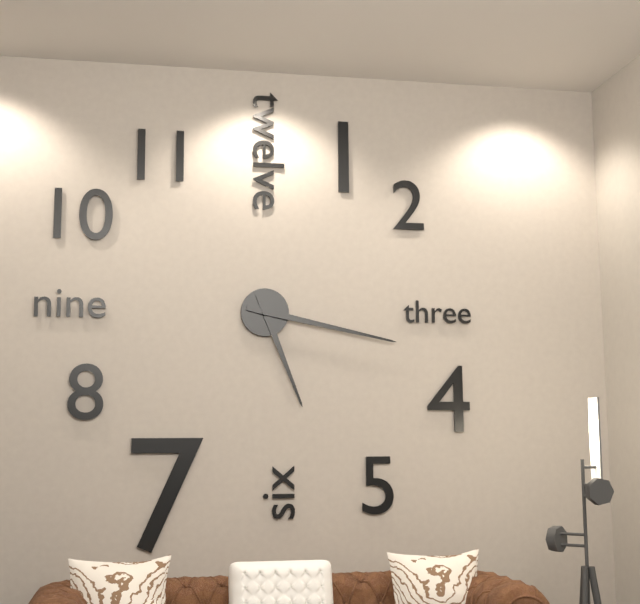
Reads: 5:17
